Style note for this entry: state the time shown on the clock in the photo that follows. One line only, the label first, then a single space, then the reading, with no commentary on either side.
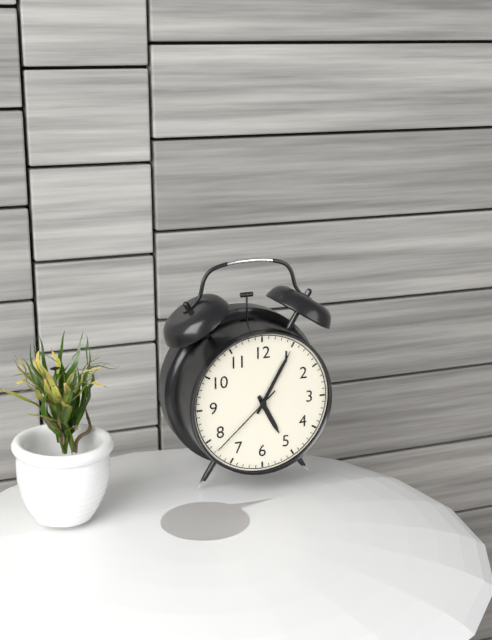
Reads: 5:05:38
